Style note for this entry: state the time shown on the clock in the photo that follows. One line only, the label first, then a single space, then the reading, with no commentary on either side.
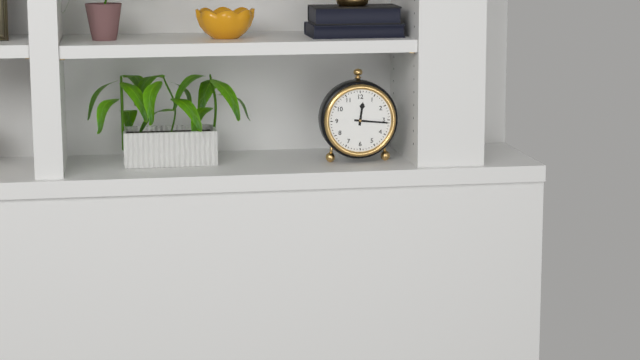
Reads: 12:16
